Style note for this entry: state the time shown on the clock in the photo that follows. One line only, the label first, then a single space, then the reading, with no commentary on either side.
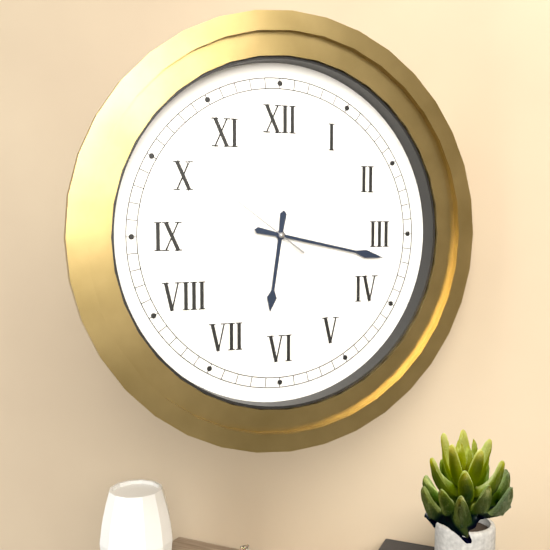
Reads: 6:17:51
